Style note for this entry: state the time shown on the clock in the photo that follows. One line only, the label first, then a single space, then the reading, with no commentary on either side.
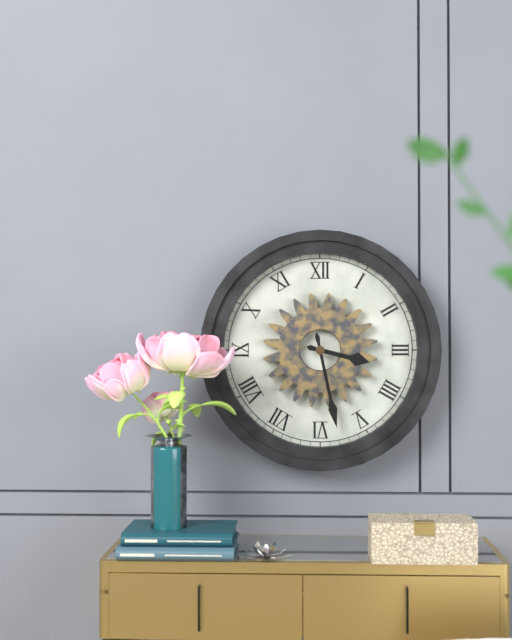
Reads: 3:28
